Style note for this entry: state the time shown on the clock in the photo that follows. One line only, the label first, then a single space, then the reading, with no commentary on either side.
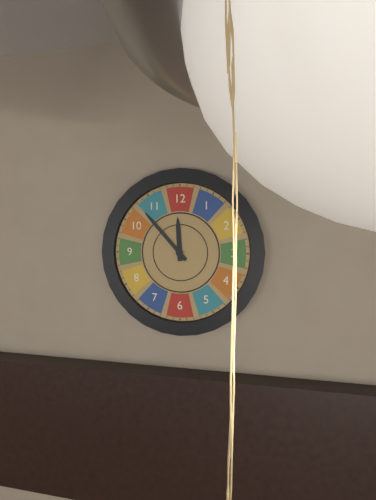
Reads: 11:53
